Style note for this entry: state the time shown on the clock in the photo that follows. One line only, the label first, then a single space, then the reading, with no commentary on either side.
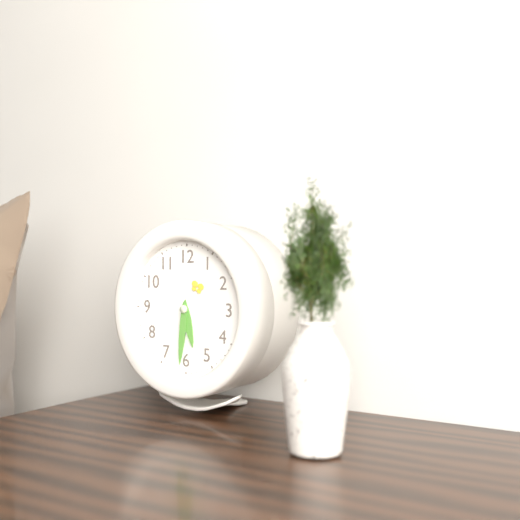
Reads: 5:31
